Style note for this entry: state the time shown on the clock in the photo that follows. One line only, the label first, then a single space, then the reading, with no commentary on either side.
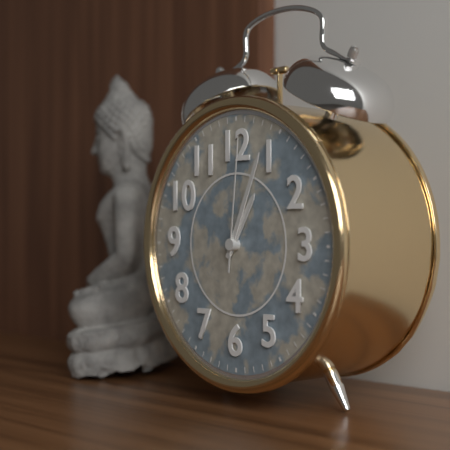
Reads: 1:04:01
